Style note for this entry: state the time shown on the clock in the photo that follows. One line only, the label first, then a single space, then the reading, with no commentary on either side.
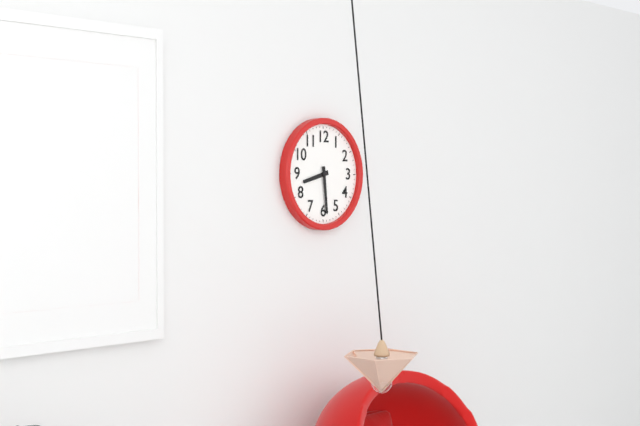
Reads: 8:29
